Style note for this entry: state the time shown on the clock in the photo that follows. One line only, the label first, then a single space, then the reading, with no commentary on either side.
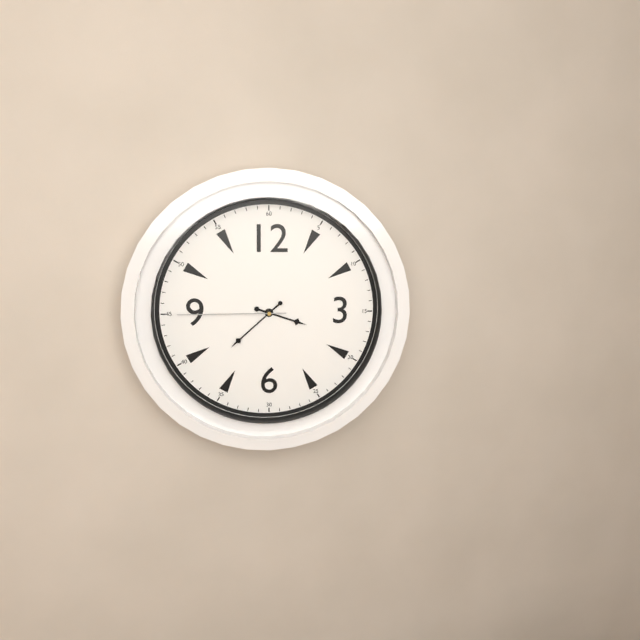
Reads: 3:38:45
